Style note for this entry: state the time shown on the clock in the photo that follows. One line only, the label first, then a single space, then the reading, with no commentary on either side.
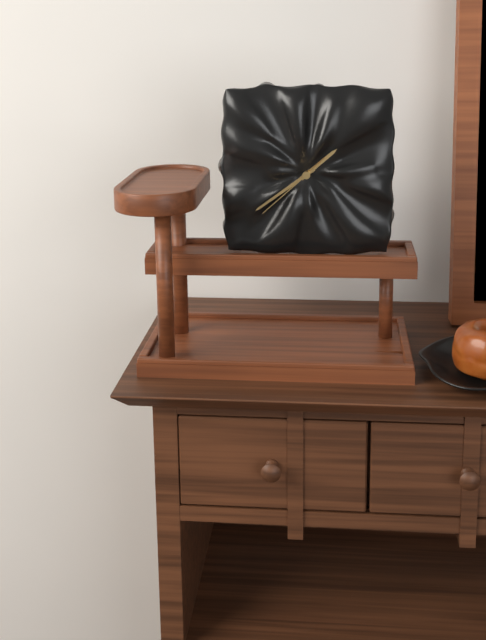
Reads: 1:39:38
